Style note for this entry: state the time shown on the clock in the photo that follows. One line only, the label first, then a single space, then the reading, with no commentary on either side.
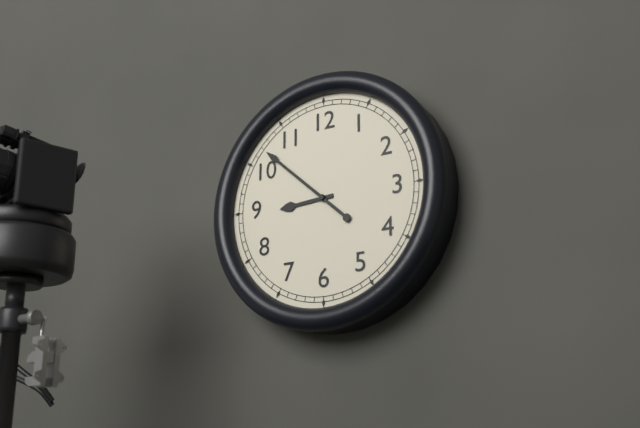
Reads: 8:52
